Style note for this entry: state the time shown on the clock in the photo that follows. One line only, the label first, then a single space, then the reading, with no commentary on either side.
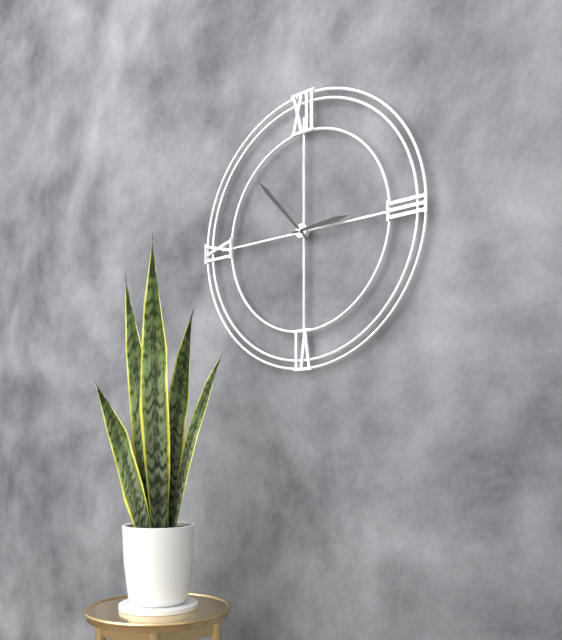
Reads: 2:53
